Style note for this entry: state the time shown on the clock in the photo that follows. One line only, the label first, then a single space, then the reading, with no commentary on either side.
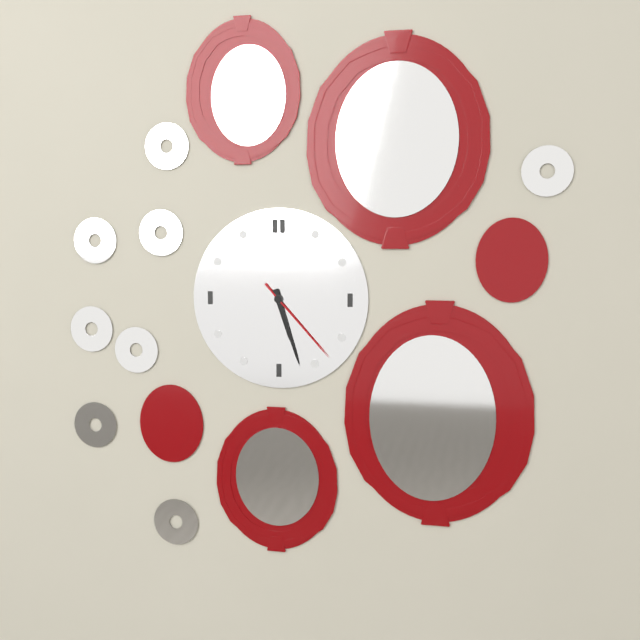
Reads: 5:27:23
